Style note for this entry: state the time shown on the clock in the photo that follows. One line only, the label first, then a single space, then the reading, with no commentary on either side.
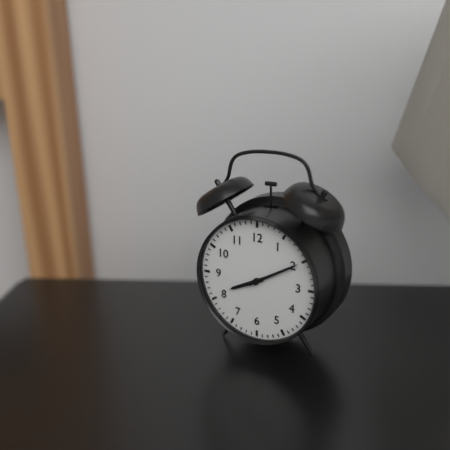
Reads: 8:10
